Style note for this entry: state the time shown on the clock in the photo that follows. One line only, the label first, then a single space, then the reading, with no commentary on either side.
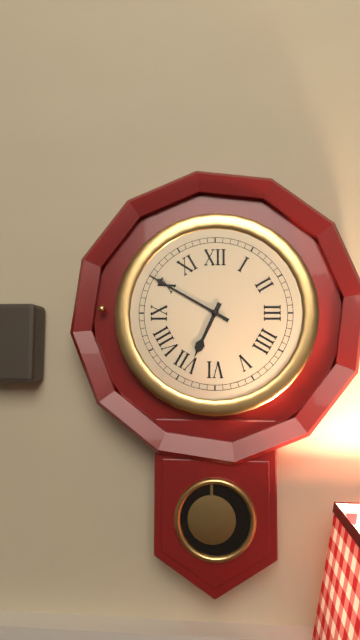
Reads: 6:50
